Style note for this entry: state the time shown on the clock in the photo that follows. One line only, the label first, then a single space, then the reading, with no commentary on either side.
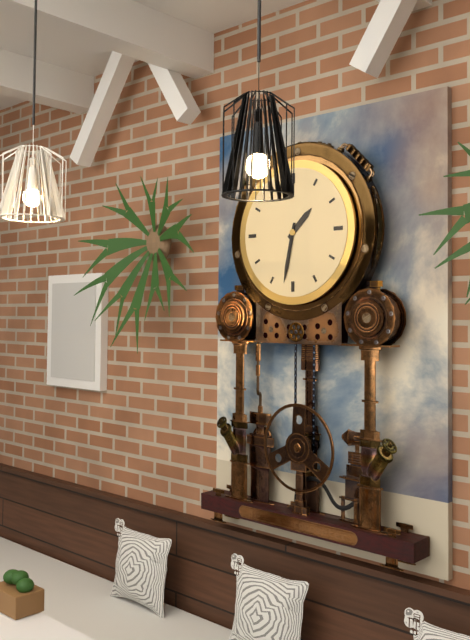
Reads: 1:32
